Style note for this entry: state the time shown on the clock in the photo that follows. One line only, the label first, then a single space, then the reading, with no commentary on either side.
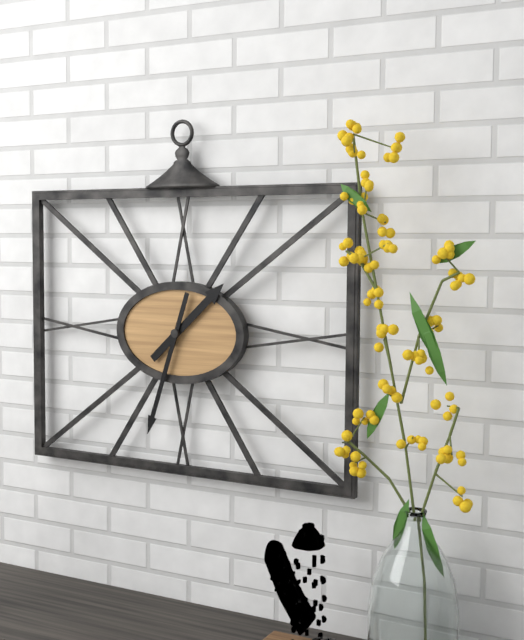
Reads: 1:33
